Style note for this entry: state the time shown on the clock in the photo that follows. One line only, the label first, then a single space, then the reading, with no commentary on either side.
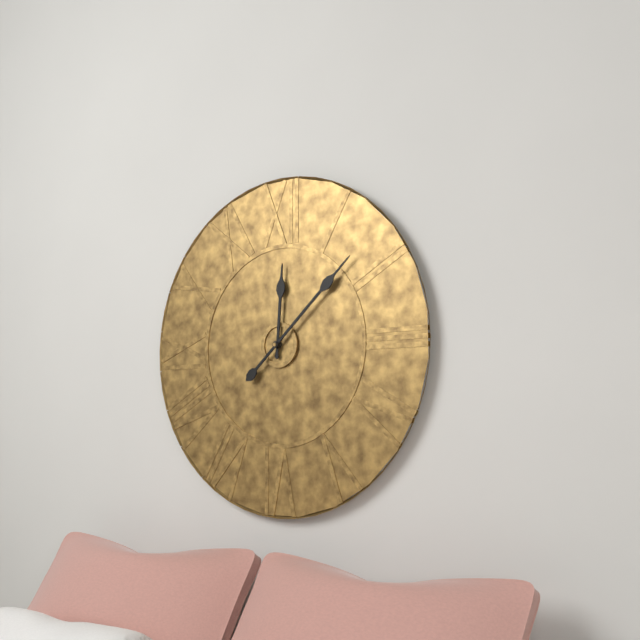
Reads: 12:08
